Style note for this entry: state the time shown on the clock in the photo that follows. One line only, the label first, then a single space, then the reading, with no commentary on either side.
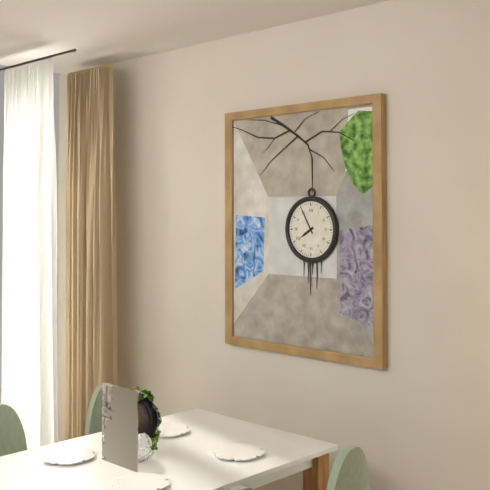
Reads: 7:55
